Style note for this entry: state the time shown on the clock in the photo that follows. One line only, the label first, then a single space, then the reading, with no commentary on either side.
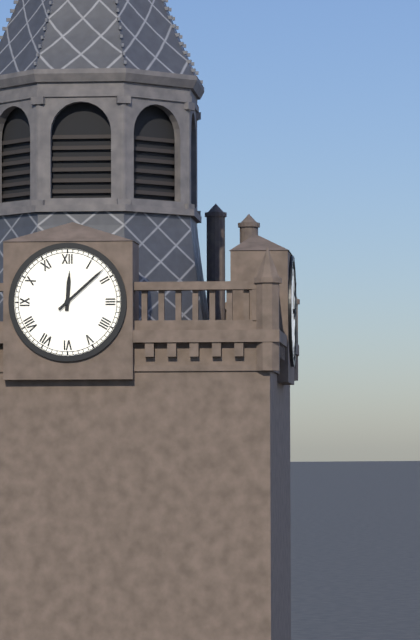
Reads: 12:08
